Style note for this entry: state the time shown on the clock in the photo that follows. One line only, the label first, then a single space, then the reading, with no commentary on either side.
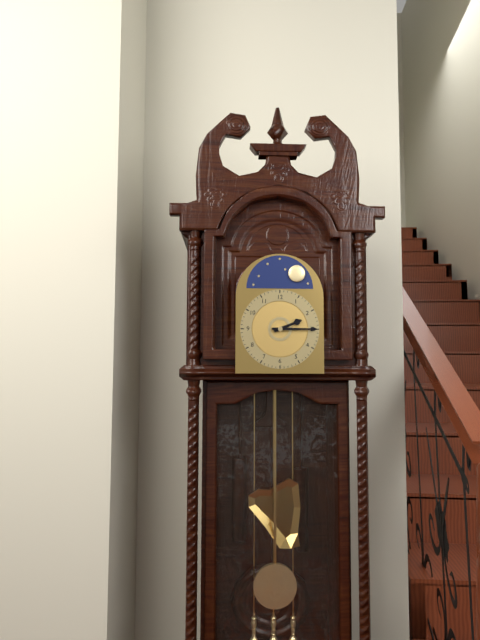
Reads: 2:15
